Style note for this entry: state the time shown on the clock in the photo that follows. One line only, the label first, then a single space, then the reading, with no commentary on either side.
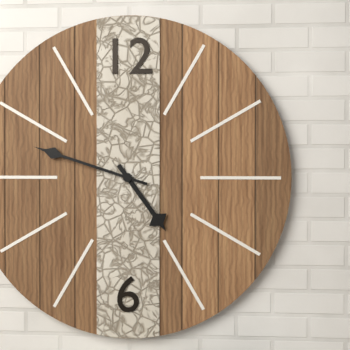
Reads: 4:48
